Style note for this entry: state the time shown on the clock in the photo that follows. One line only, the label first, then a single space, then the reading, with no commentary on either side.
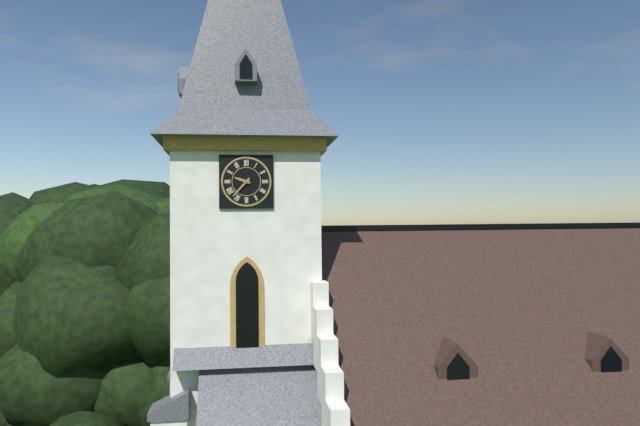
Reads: 9:37
